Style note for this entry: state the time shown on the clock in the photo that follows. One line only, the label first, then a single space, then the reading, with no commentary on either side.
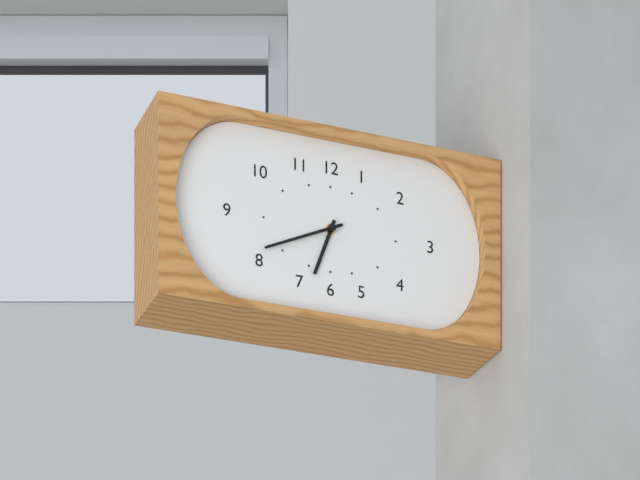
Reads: 6:41
